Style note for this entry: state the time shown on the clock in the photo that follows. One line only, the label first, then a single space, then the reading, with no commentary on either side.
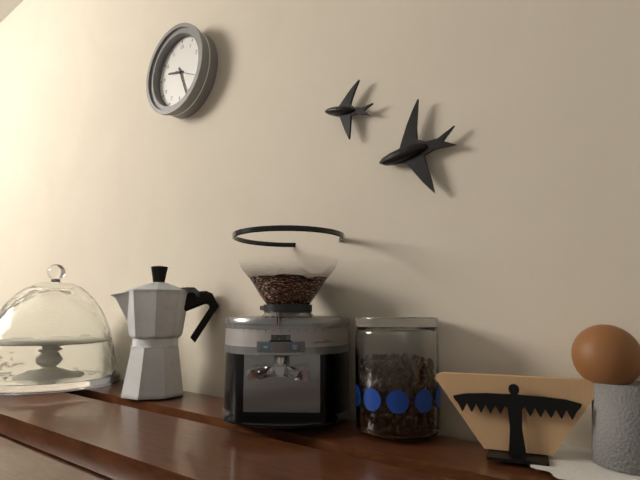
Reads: 9:26
